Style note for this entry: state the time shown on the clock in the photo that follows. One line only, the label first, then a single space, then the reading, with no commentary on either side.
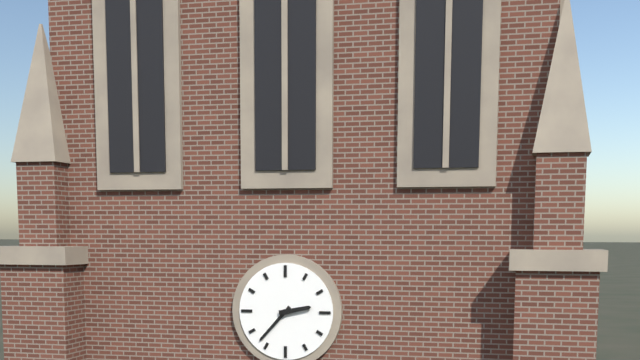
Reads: 2:37
